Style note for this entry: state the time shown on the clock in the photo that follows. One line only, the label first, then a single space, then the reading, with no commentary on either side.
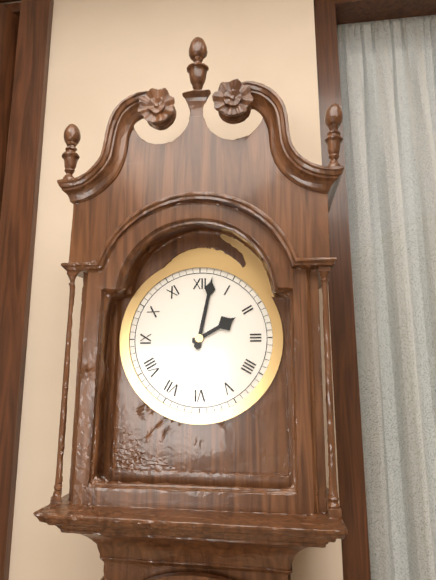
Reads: 2:02
